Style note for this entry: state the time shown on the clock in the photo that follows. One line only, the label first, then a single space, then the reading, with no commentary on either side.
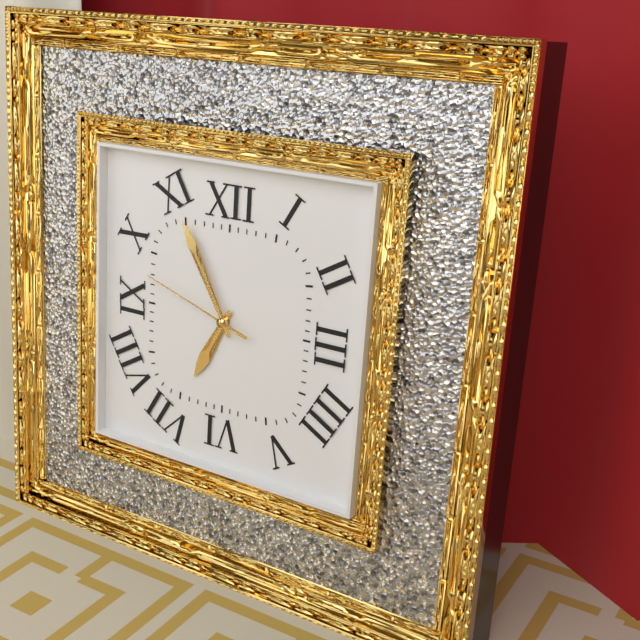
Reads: 6:55:48
